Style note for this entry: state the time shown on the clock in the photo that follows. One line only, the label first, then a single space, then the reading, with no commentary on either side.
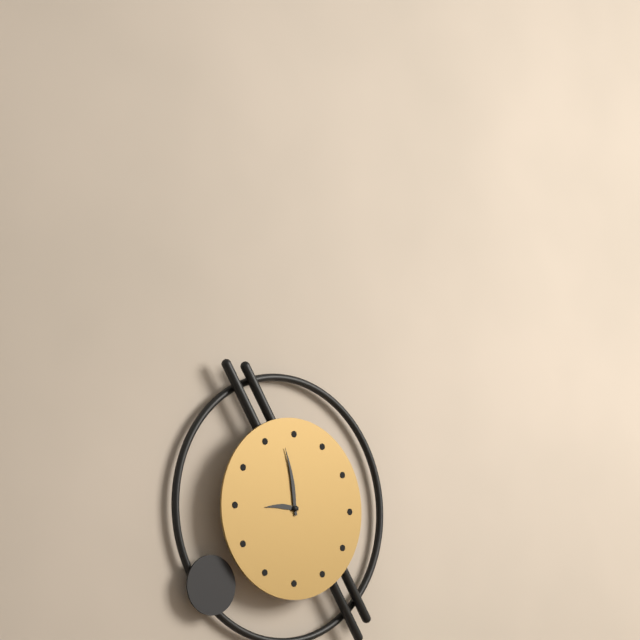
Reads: 8:58
